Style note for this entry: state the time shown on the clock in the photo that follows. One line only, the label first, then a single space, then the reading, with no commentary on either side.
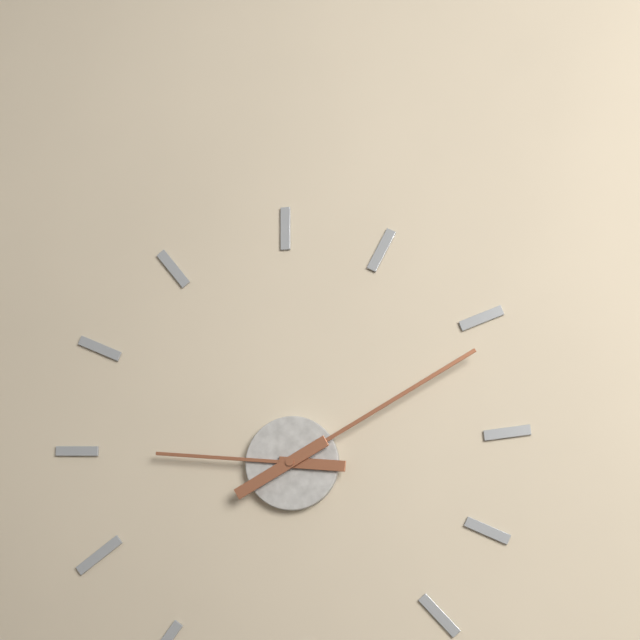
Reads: 9:10
